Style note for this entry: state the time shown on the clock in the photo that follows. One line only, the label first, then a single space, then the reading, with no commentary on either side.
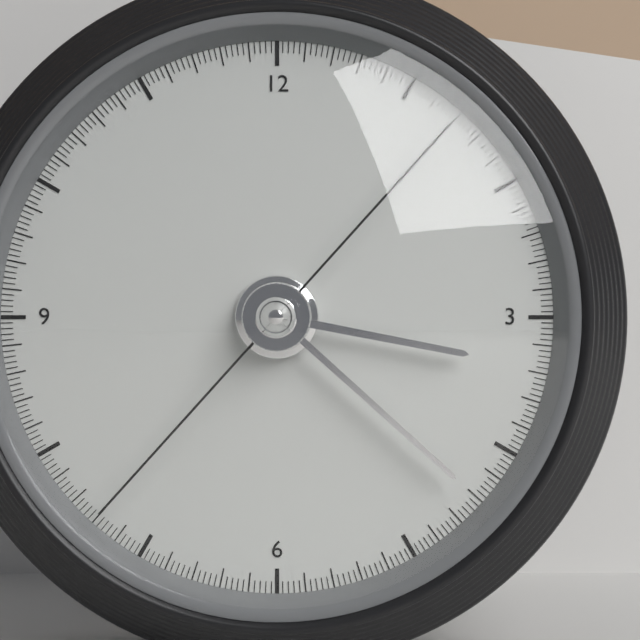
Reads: 3:22:07
